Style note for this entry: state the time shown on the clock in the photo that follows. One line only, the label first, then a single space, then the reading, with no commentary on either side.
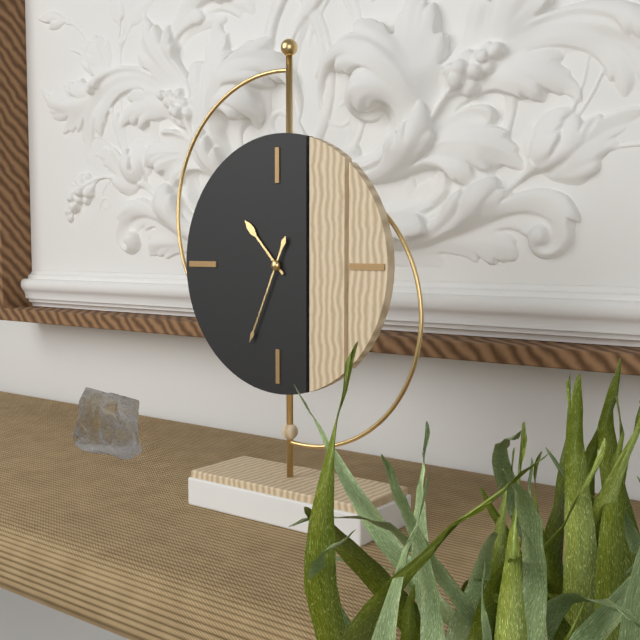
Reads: 10:34
